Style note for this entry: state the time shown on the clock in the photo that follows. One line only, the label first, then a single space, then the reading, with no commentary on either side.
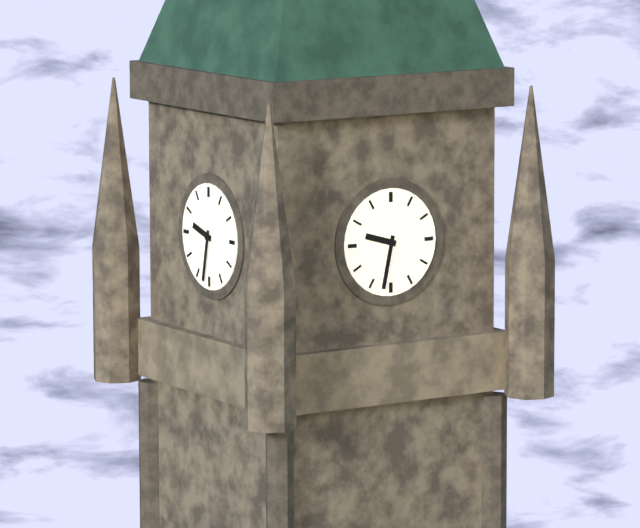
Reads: 9:32
